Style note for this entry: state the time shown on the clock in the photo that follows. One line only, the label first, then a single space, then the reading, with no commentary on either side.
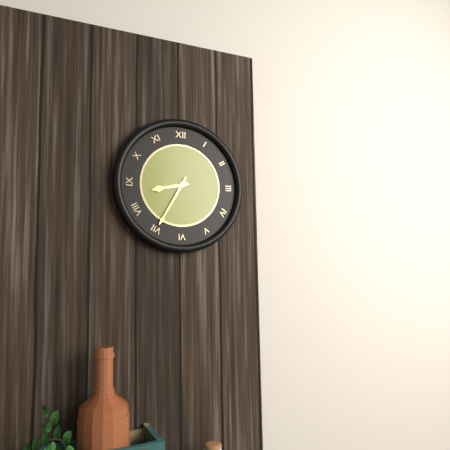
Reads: 8:35
